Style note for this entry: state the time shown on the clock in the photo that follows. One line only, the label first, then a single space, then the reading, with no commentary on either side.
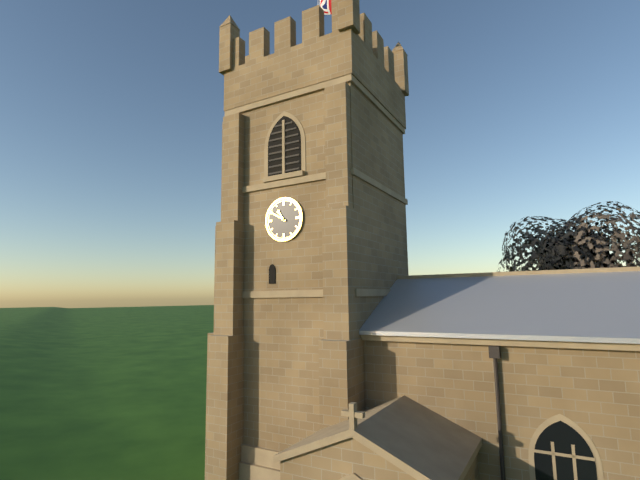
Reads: 10:50
